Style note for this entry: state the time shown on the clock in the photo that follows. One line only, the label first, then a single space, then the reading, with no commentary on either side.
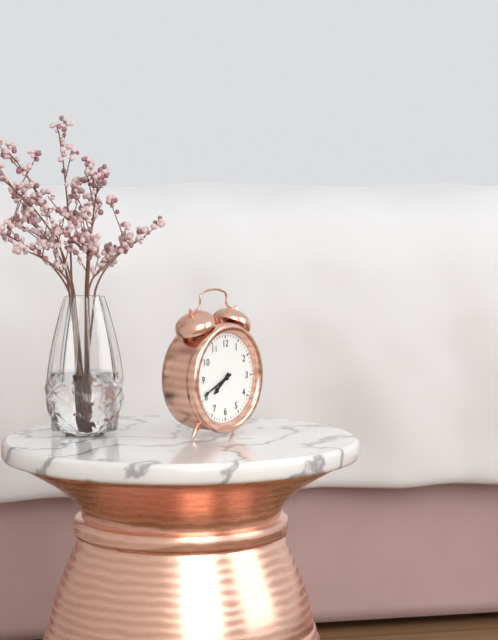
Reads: 7:41
